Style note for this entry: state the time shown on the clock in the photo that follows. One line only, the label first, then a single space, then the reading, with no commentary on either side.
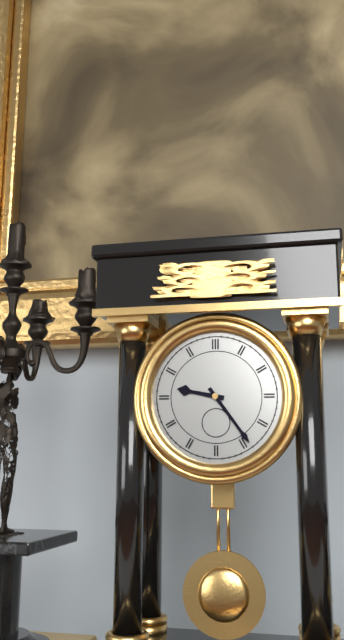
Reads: 9:24
